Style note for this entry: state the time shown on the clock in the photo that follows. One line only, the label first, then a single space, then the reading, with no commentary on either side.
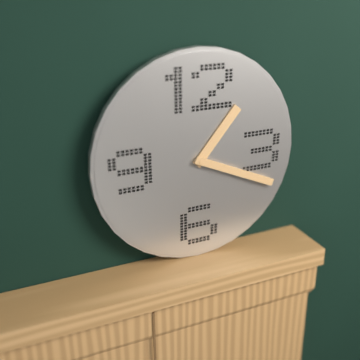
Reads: 1:19
